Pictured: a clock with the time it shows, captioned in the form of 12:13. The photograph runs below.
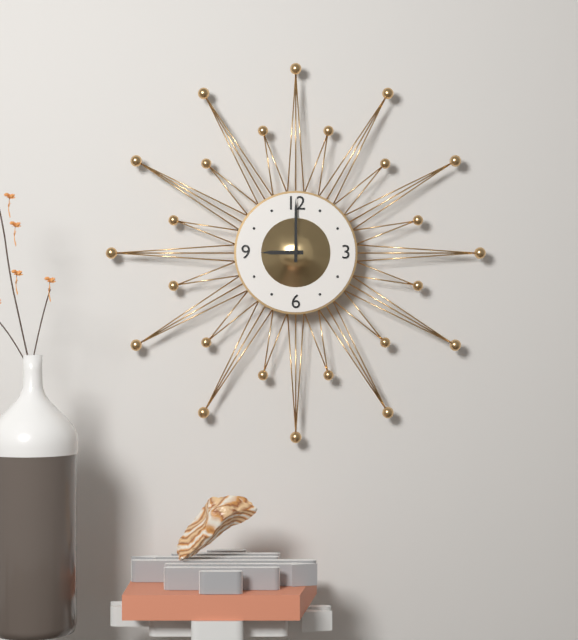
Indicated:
9:00
